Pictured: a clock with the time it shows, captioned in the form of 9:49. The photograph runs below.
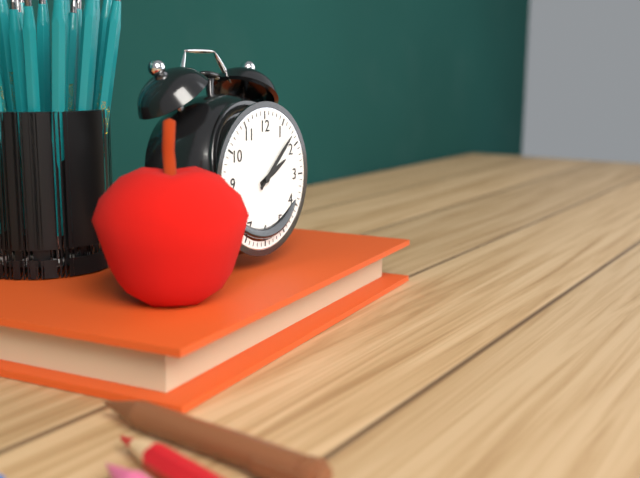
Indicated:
2:08
